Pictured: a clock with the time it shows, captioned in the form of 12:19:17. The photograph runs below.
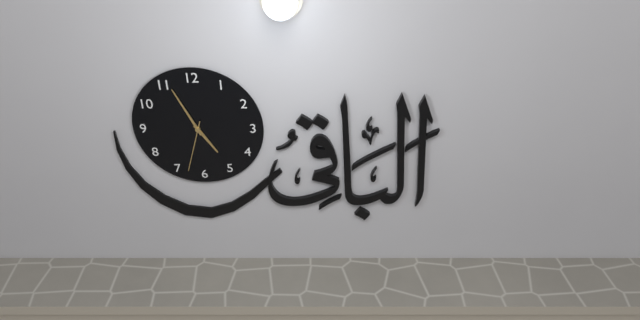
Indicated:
4:56:33
